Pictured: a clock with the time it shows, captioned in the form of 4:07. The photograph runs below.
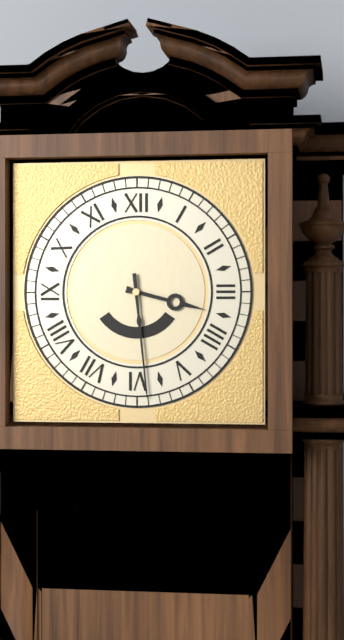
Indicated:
3:29
